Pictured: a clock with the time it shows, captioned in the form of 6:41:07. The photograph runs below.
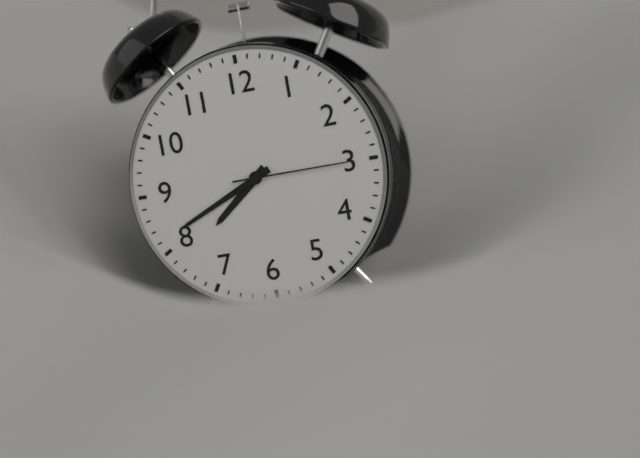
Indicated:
7:41:15
